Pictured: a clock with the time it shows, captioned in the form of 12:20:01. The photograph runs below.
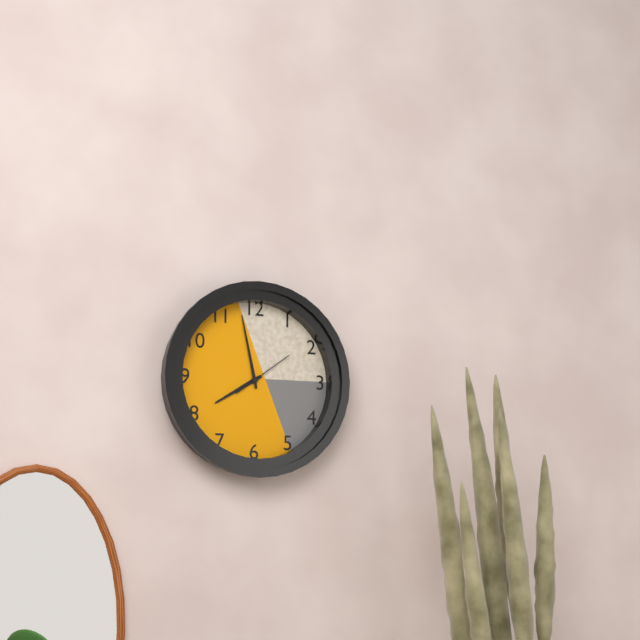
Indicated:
7:58:09
